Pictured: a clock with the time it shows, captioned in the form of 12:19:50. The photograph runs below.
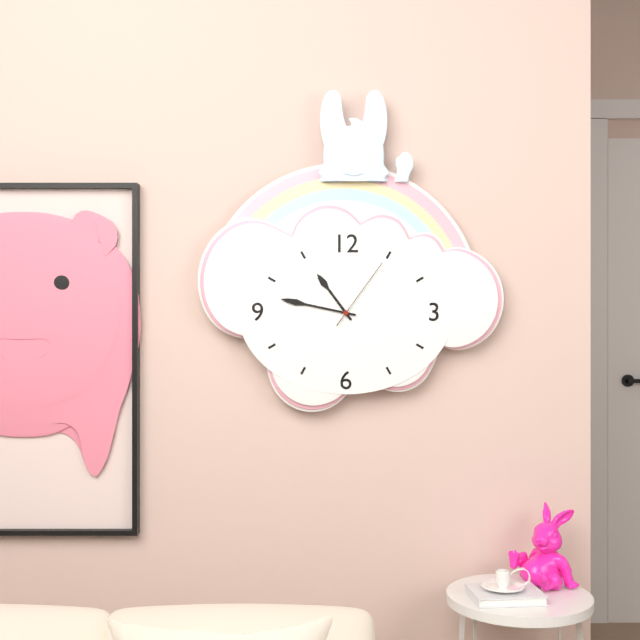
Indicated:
10:47:06
